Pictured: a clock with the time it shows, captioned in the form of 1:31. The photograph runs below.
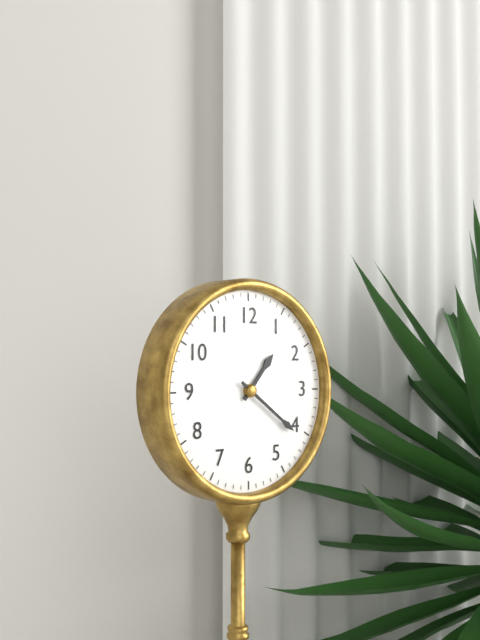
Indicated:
1:21
